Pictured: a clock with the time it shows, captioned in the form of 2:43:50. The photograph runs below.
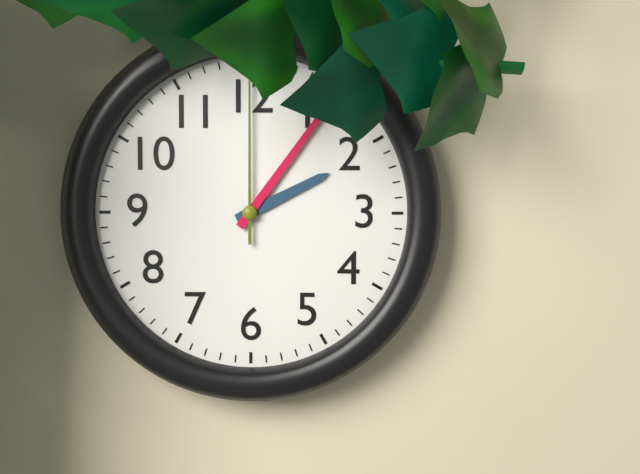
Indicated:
2:06:00
